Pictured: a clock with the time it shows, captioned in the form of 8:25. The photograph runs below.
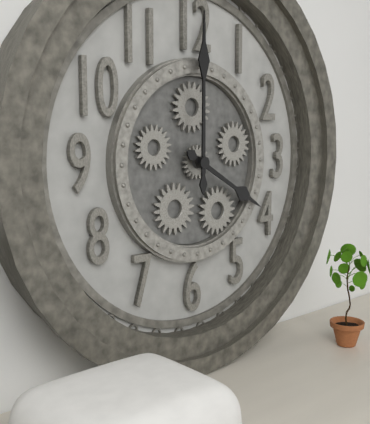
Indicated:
4:00
